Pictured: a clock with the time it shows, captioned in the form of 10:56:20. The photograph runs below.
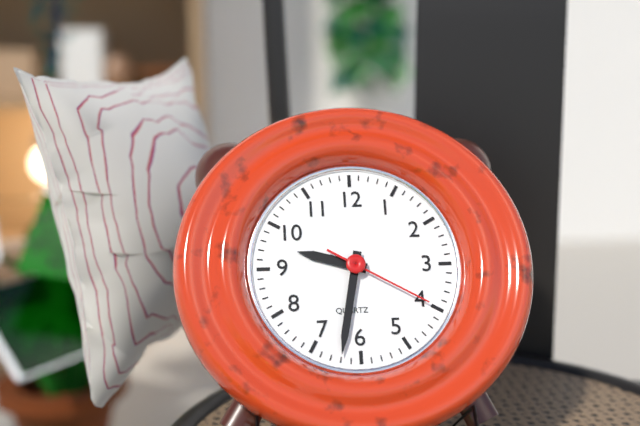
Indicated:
9:32:20
